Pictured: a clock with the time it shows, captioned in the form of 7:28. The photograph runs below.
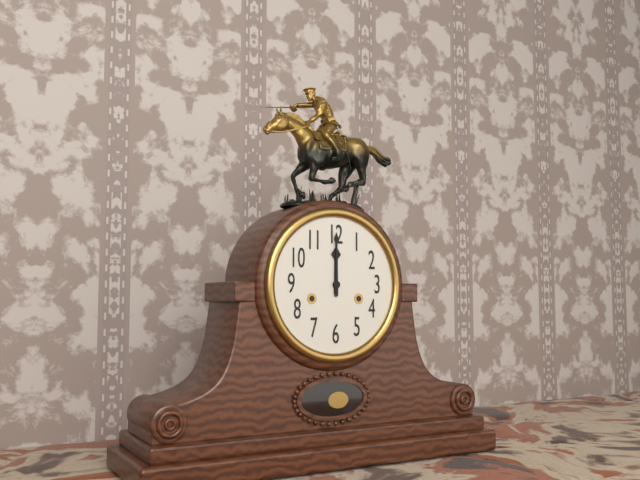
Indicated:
12:00
